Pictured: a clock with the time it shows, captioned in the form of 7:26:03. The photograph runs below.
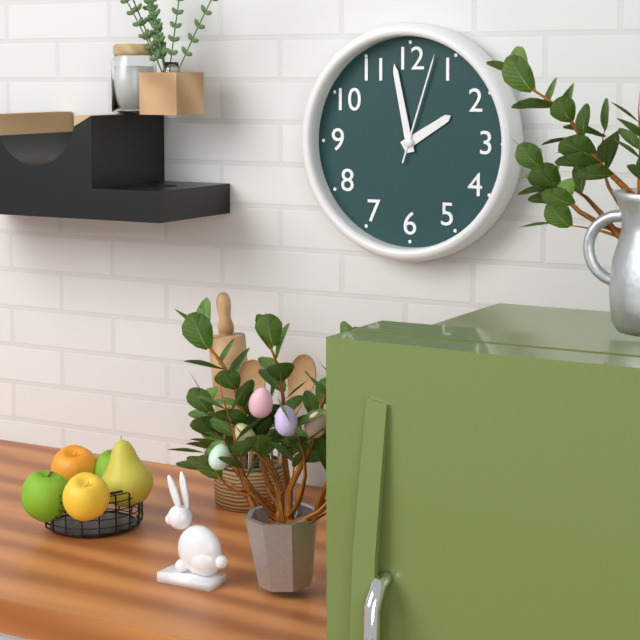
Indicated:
1:58:03
